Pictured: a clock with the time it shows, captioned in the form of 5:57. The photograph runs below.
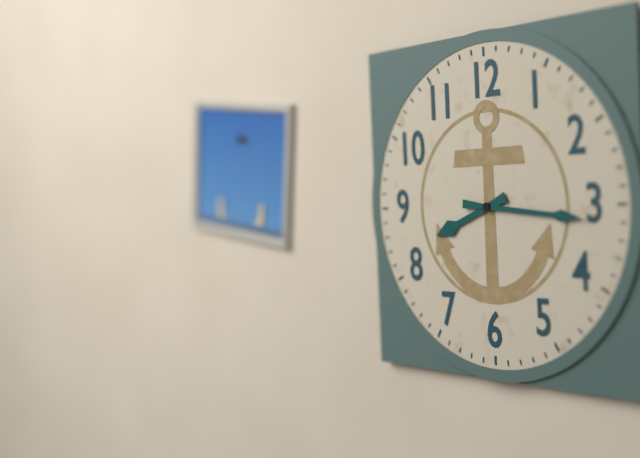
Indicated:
8:16
